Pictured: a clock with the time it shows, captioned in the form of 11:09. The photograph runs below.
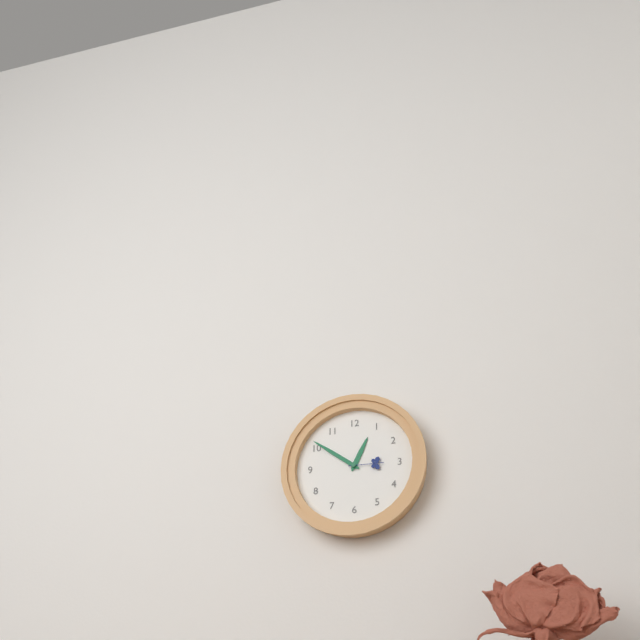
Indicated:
12:51
